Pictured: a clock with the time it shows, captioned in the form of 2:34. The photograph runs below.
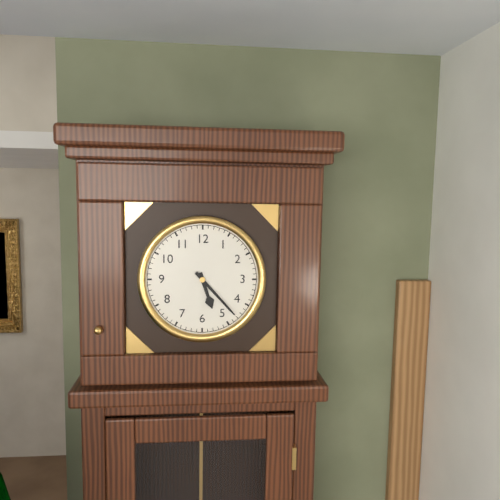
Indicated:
5:23
